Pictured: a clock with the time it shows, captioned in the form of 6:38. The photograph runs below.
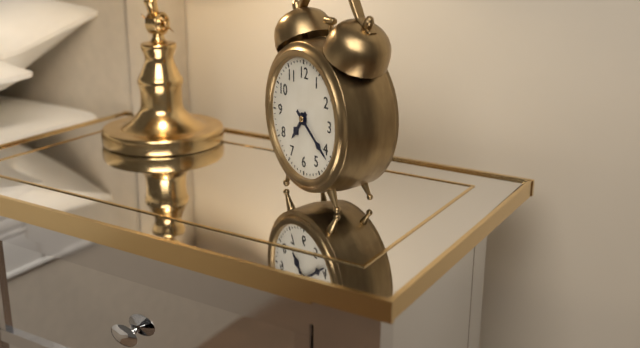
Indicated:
7:21
